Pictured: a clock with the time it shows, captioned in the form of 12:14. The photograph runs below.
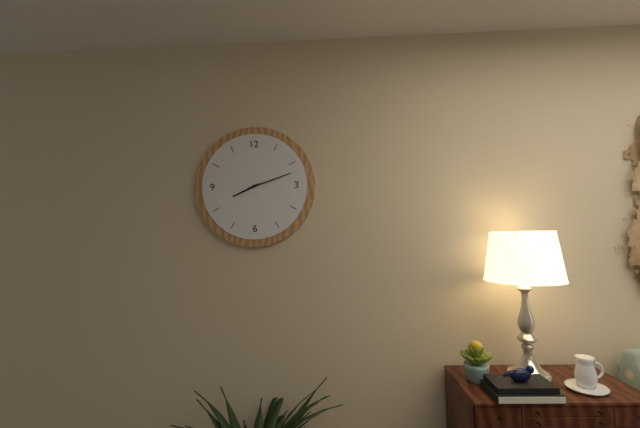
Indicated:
8:12
